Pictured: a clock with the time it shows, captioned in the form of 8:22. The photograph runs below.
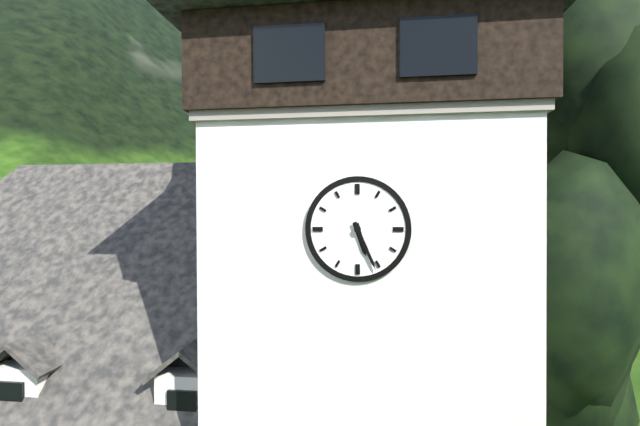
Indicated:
5:26
